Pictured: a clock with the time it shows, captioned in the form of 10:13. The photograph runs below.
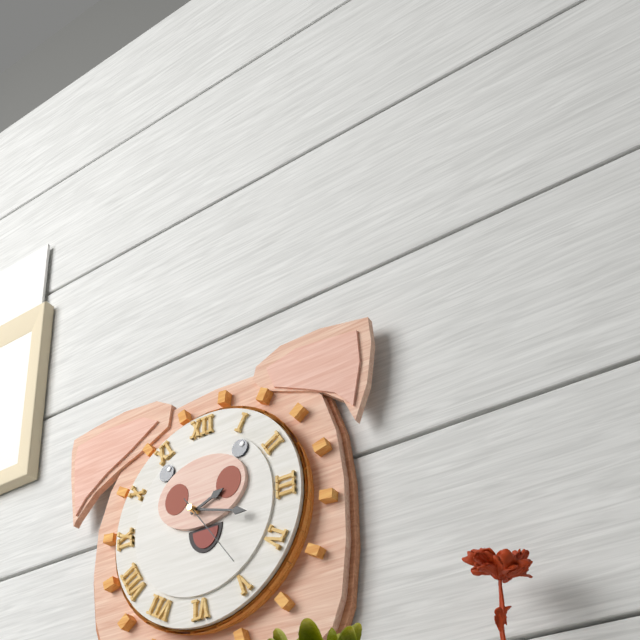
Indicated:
2:18
